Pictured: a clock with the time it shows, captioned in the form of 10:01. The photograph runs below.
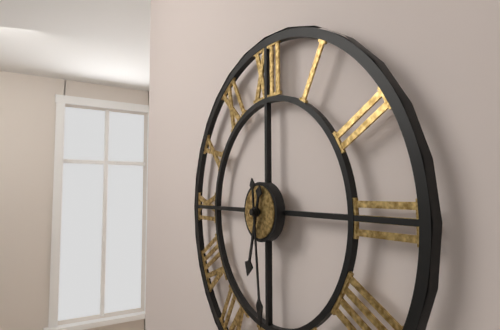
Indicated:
6:29
